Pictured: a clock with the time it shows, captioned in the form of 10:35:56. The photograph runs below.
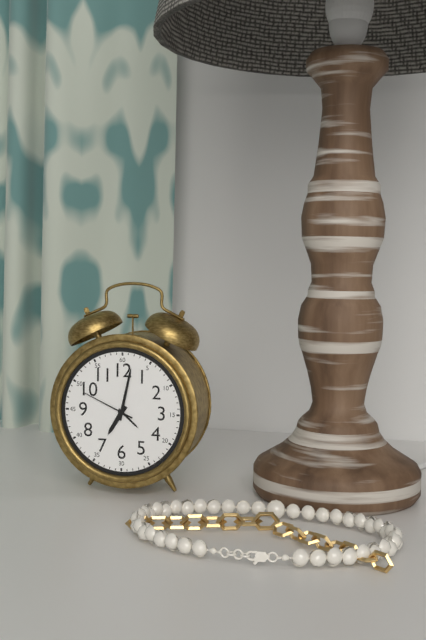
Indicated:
7:02:49
